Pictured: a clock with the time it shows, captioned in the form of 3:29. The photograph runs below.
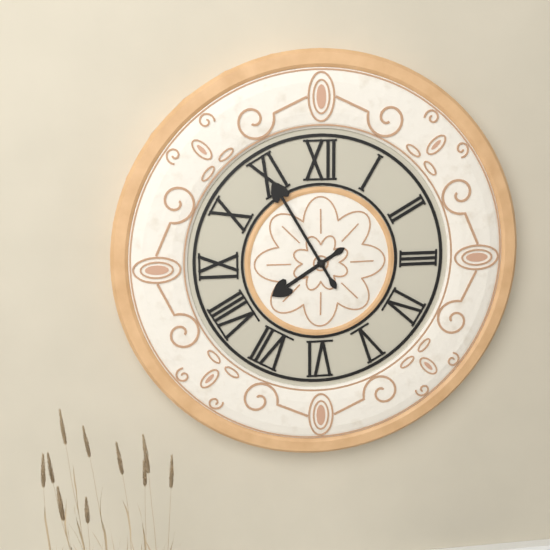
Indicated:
7:55
